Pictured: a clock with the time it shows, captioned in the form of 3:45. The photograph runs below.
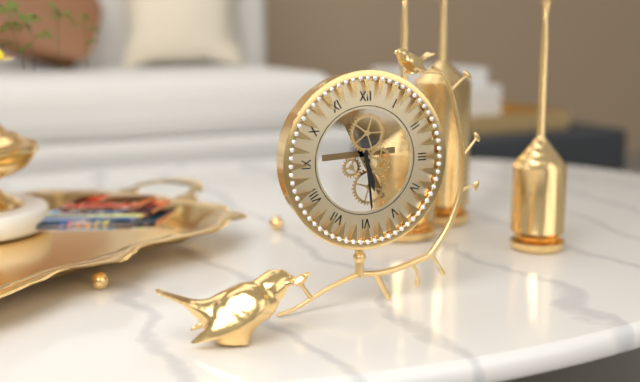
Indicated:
5:29
